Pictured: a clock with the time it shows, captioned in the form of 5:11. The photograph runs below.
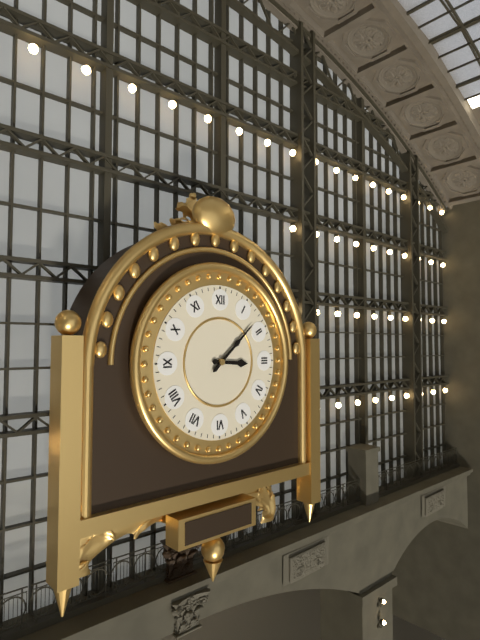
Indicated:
3:08
